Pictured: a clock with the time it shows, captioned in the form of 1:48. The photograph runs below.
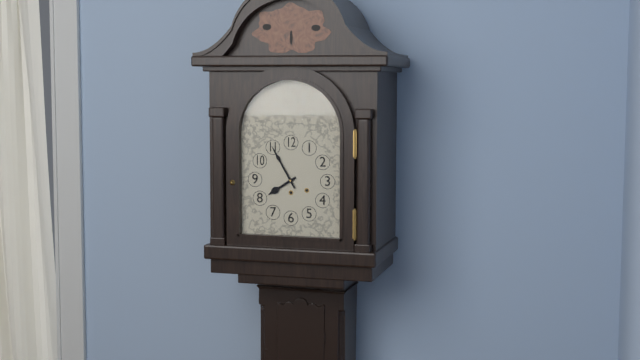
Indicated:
7:55
